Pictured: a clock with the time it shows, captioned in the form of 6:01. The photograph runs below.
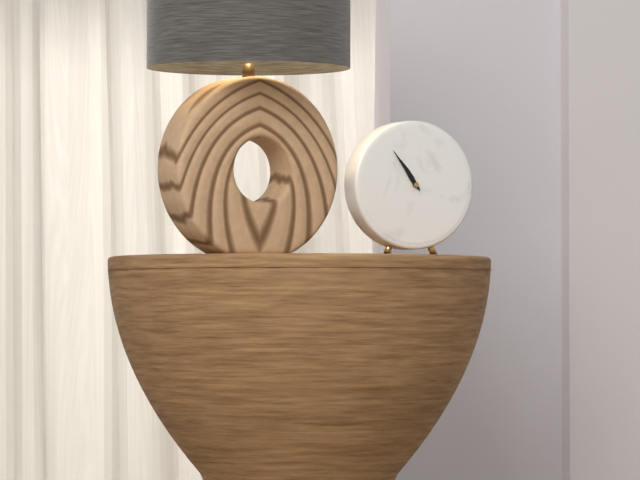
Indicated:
10:54
